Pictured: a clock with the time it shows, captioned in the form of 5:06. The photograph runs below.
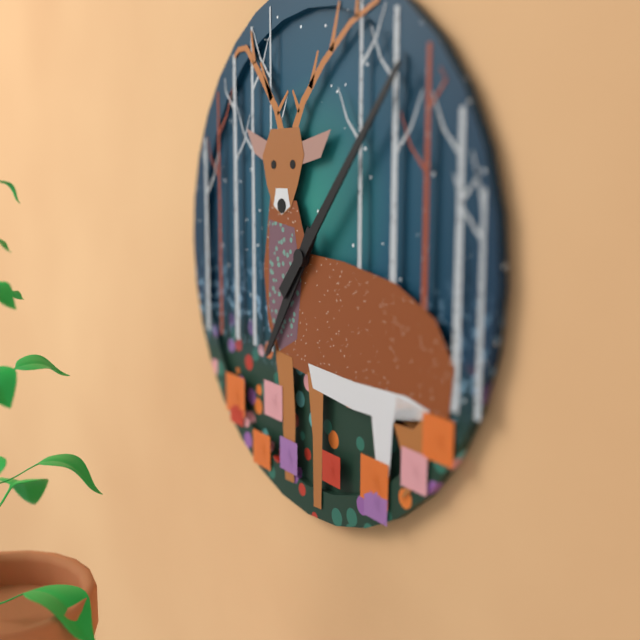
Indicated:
7:07
